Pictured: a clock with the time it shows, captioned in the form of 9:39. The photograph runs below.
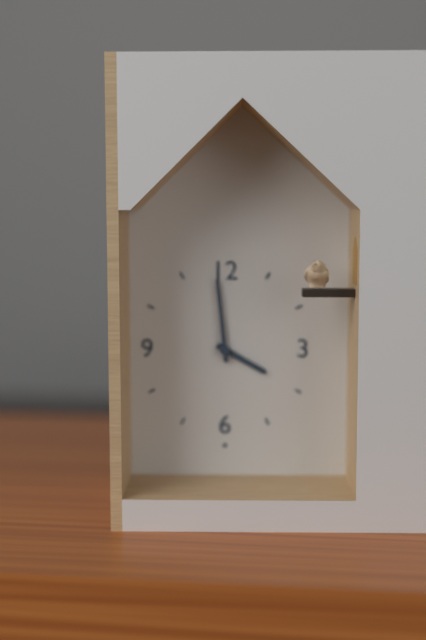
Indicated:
3:59
